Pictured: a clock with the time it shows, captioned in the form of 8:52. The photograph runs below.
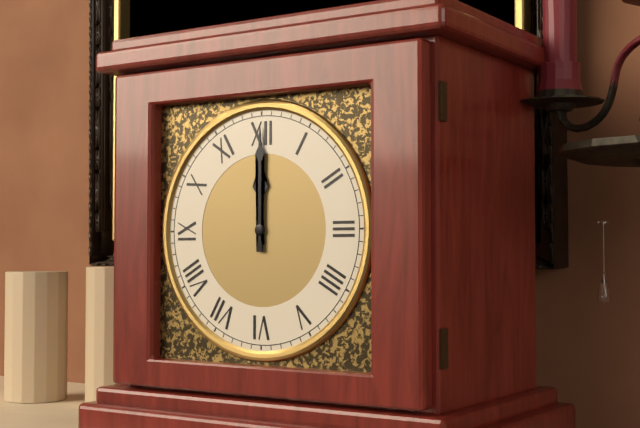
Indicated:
12:00
